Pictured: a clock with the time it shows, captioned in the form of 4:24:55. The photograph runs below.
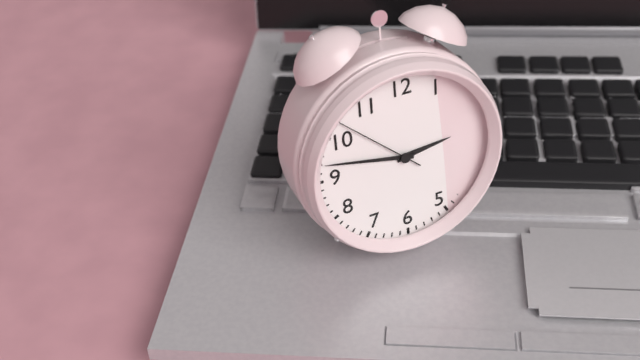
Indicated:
2:47:52
